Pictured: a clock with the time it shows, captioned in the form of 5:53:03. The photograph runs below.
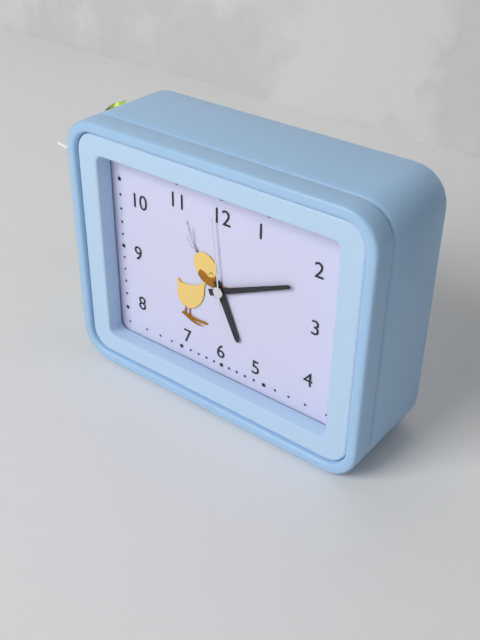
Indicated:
5:11:59
